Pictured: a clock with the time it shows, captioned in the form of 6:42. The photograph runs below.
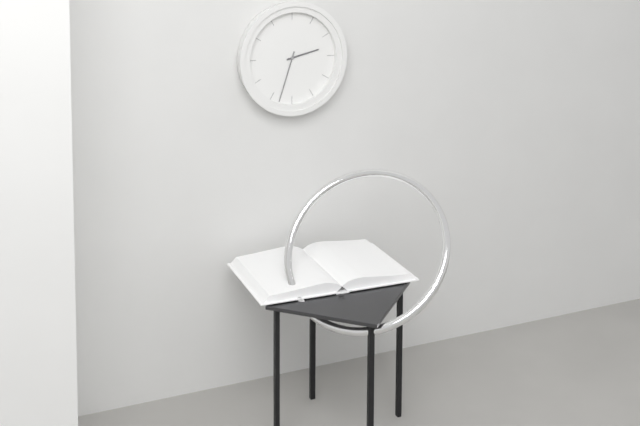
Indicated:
2:33
